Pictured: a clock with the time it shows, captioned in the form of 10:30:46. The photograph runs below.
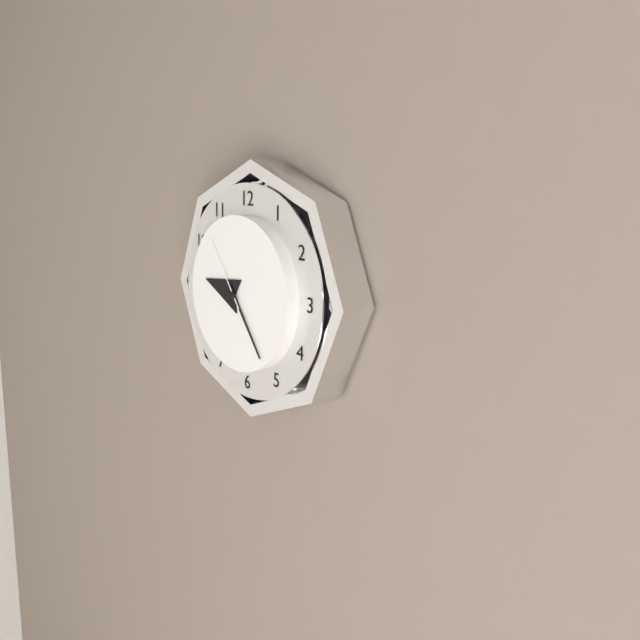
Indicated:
9:24:54
